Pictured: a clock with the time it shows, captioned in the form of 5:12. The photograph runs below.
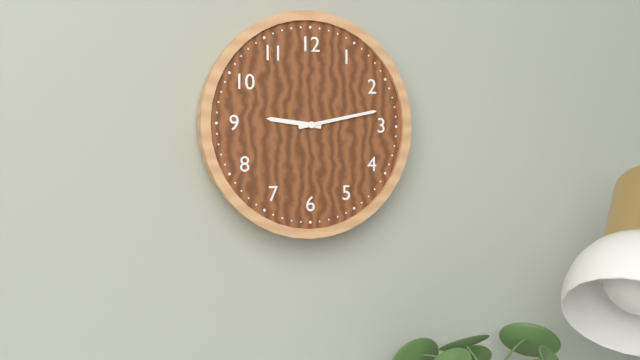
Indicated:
9:13
